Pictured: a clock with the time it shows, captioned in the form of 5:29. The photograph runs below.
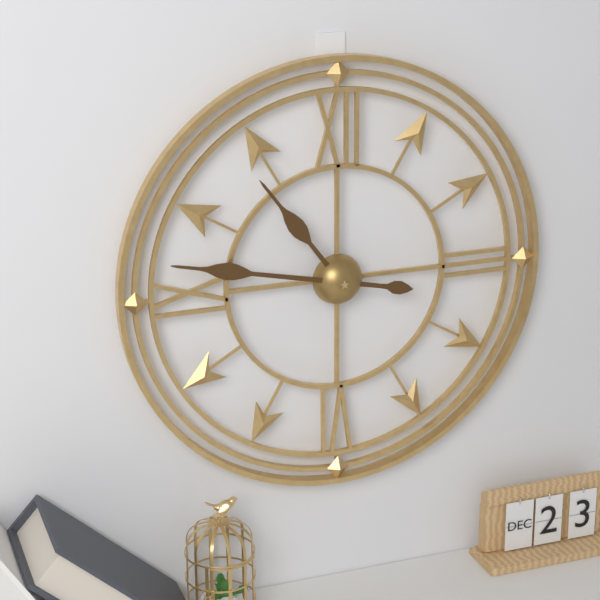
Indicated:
10:47
